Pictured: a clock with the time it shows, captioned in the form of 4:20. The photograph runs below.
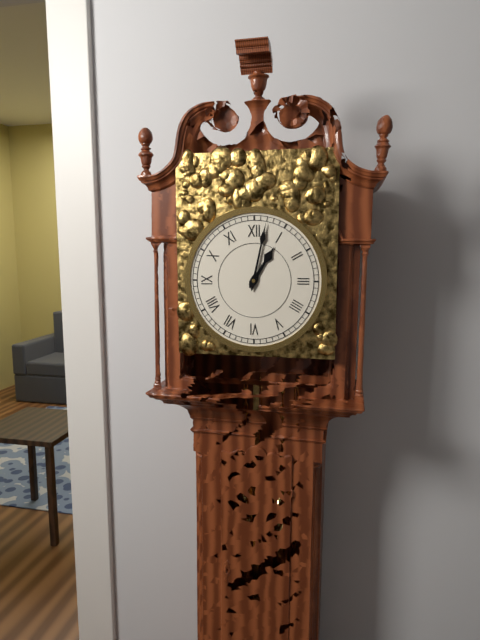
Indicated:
1:02
